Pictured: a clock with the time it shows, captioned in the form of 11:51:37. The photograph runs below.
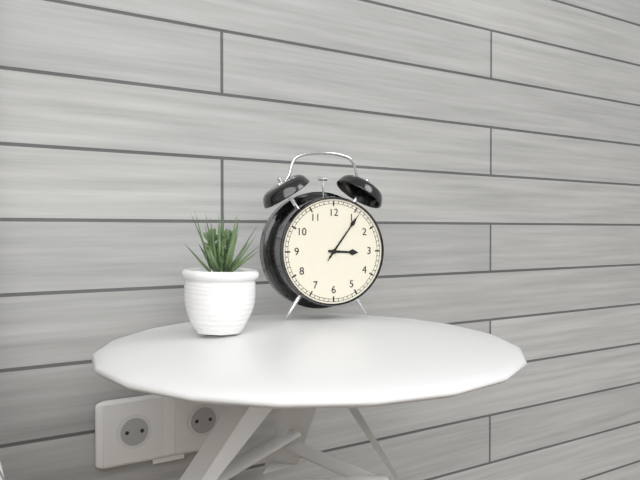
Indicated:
3:06:06
